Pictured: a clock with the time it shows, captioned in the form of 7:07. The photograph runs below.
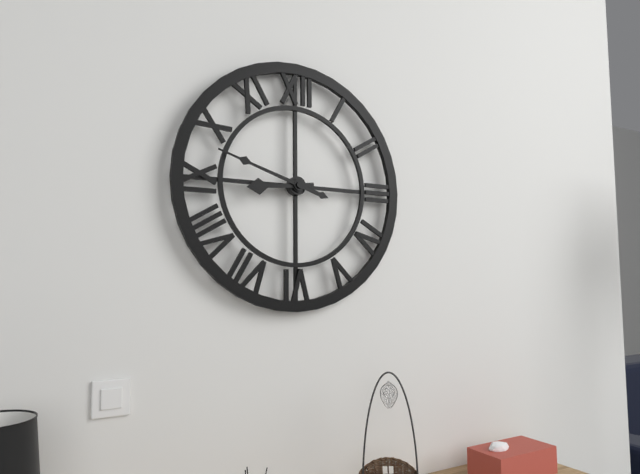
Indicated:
8:48
